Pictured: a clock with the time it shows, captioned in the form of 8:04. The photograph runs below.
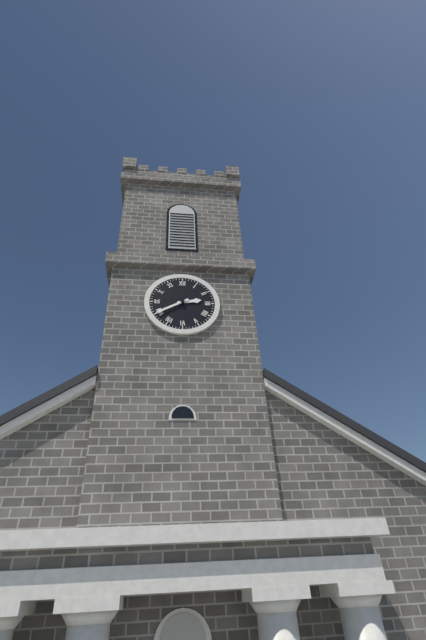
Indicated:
2:40
